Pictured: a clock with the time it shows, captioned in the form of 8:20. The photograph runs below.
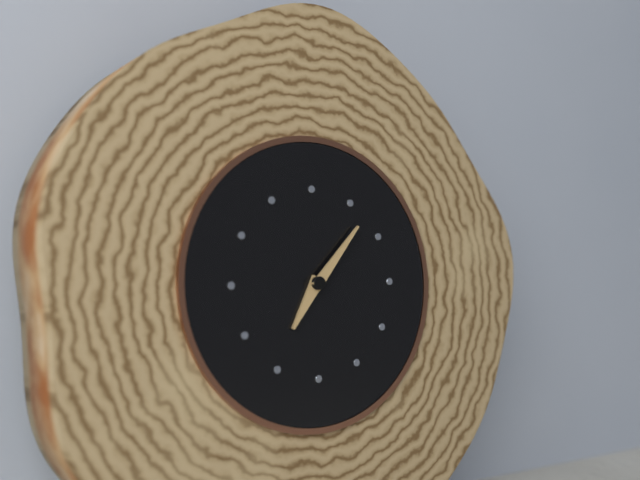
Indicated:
7:07
